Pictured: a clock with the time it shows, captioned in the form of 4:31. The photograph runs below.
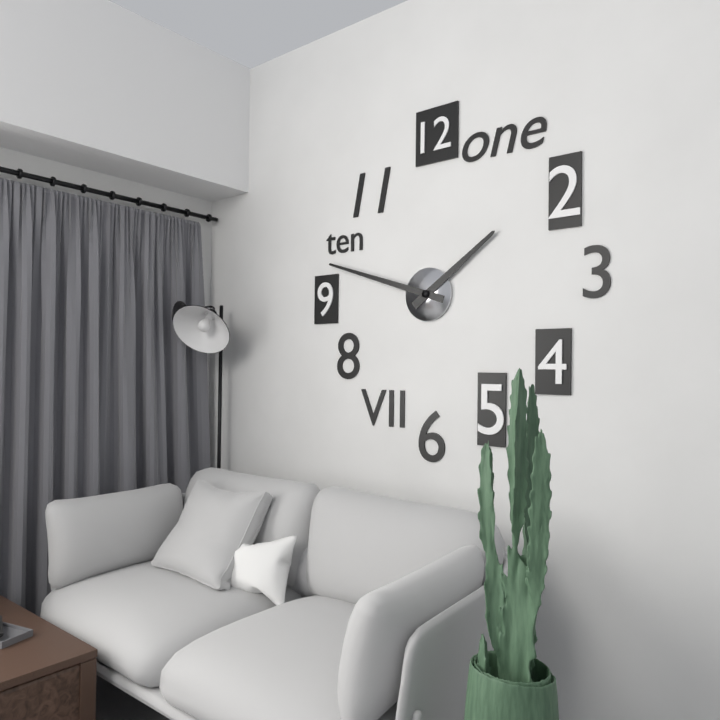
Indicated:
1:48
